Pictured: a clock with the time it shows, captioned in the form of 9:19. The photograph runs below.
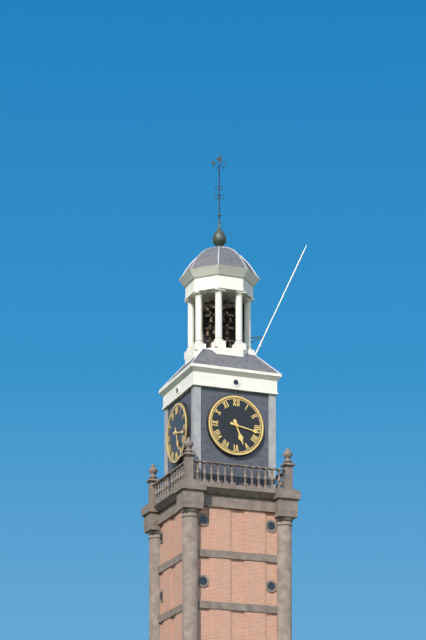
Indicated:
5:17
